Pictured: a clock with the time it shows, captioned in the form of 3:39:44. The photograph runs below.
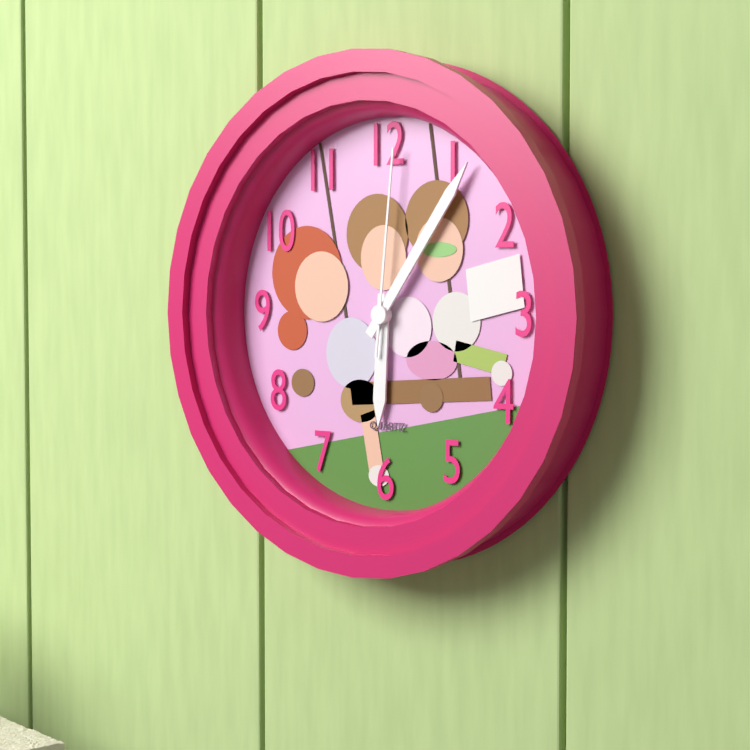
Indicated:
6:06:01
